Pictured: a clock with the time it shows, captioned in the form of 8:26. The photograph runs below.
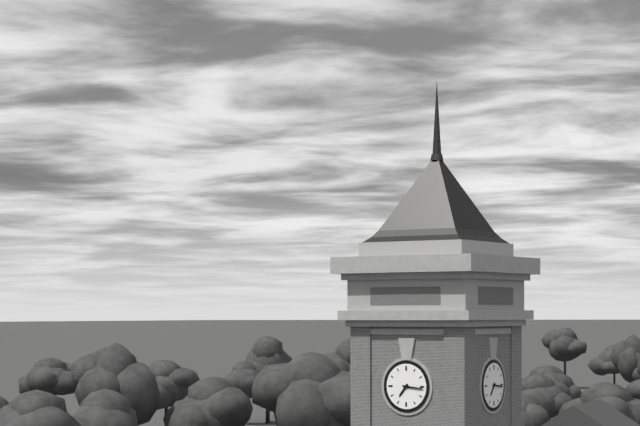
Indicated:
7:16
